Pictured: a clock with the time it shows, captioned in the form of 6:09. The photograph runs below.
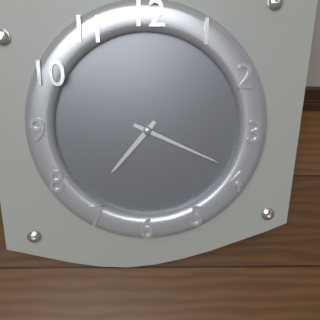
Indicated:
7:19
